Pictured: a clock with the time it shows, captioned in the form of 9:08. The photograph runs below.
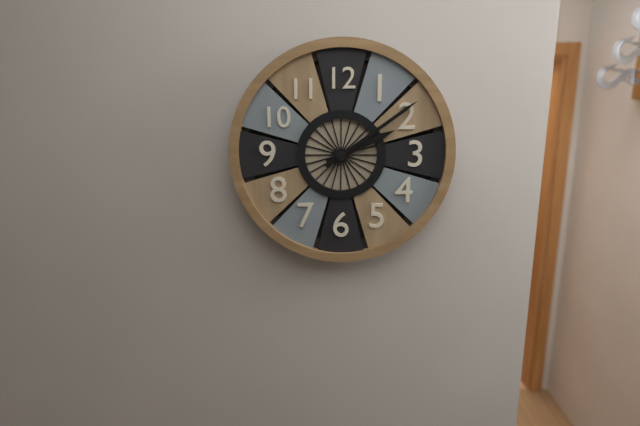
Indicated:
2:09
